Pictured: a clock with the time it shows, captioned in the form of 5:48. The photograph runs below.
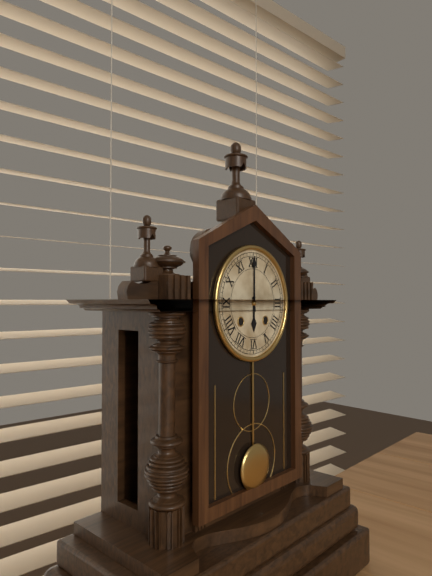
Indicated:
6:00
